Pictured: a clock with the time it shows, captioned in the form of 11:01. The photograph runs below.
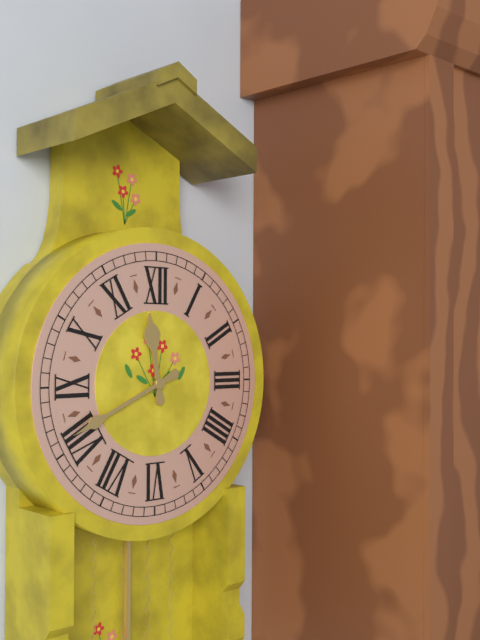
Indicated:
11:41
